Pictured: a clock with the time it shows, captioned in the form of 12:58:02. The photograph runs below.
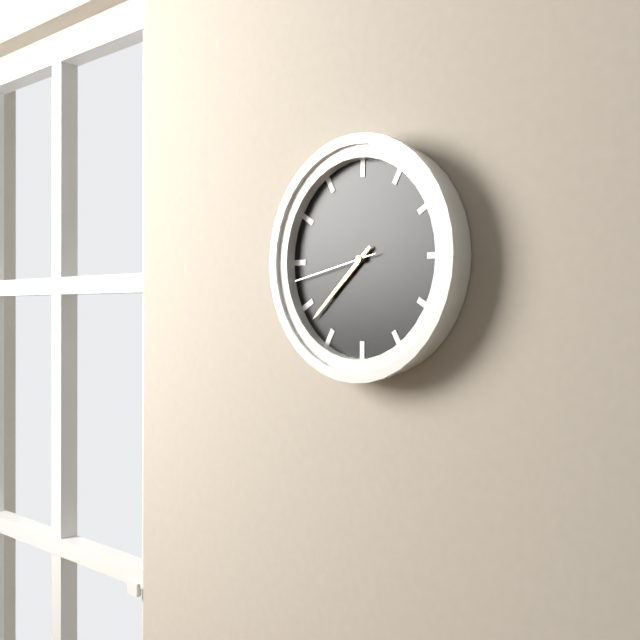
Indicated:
7:38:43
